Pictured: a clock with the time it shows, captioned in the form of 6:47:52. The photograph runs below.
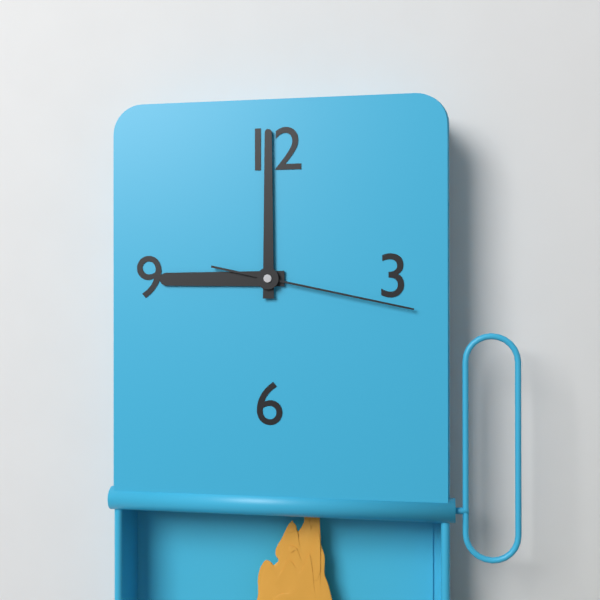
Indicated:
9:00:17
